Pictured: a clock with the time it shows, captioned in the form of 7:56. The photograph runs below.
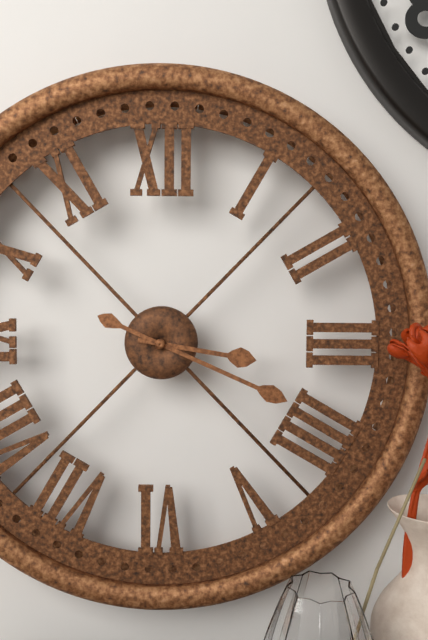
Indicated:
3:19
